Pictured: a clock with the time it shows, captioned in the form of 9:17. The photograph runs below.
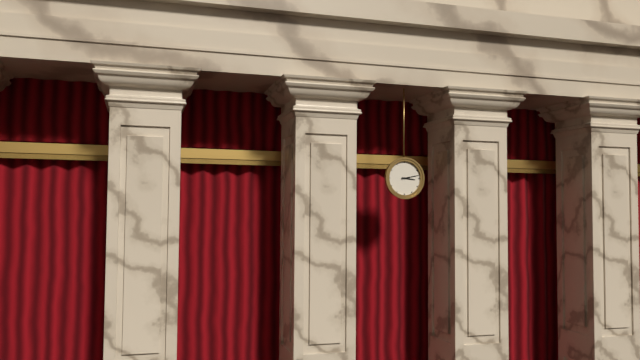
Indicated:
3:13
